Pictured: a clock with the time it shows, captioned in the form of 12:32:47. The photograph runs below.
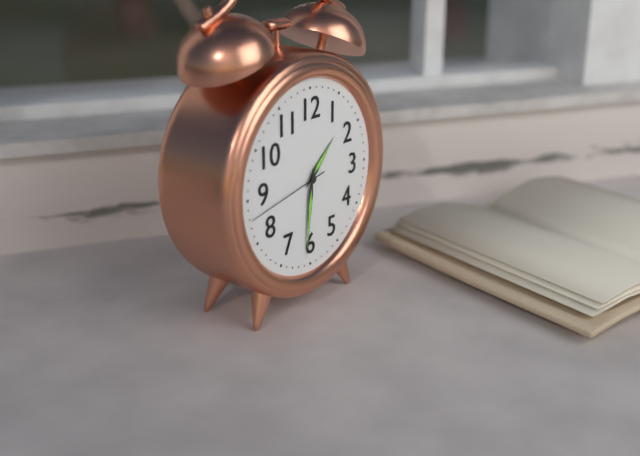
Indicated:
1:31:43
